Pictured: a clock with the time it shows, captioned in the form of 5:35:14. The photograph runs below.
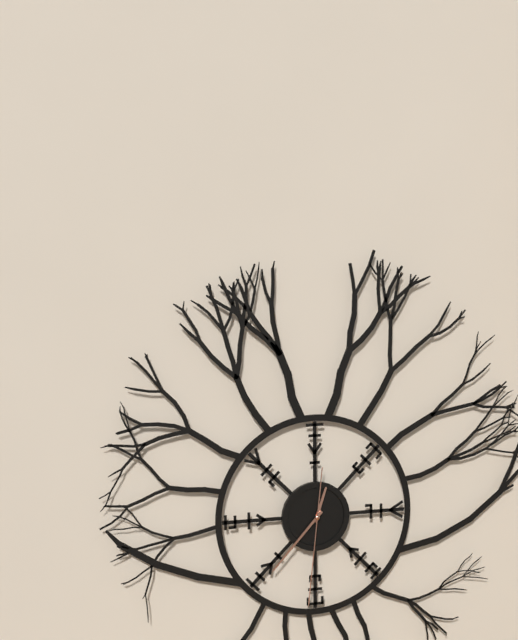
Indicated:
12:37:31
